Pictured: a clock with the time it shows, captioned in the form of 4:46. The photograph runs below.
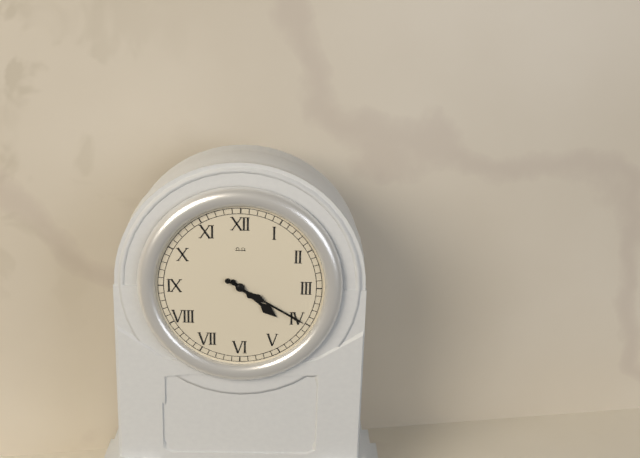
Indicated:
4:20
